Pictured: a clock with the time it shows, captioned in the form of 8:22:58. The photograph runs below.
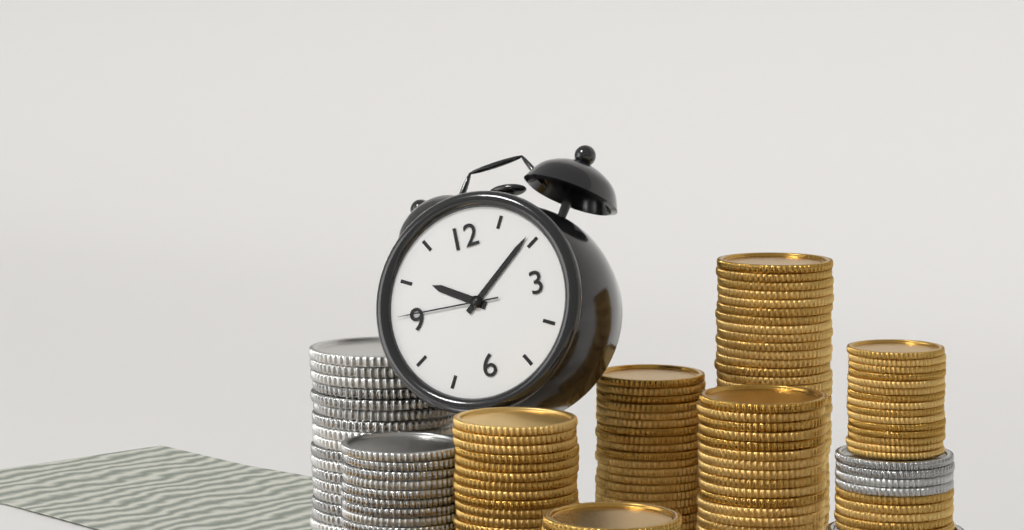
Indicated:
10:09:46
